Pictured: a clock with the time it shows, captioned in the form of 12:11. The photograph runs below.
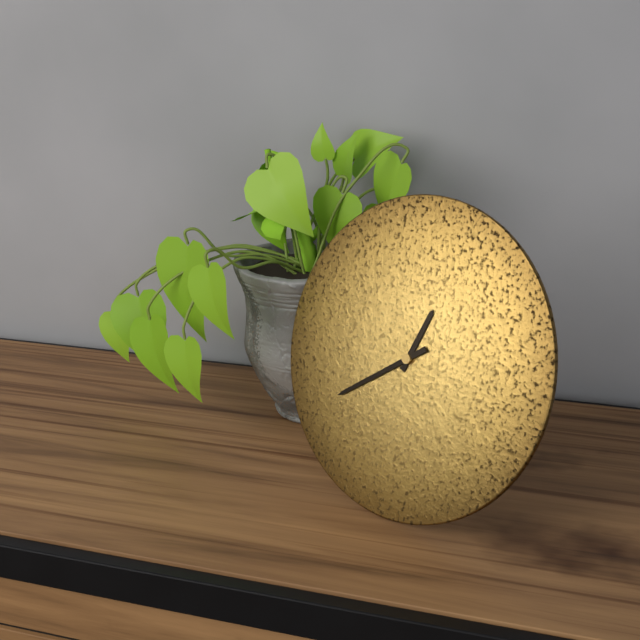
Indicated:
12:39
